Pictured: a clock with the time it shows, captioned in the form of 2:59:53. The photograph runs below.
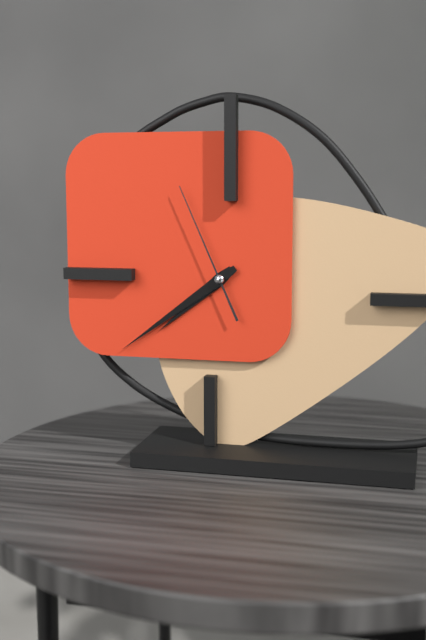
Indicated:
7:39:56
